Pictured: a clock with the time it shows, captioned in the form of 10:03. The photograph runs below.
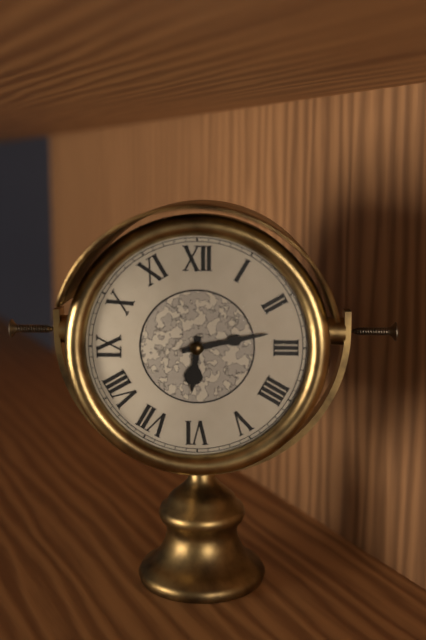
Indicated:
6:13
